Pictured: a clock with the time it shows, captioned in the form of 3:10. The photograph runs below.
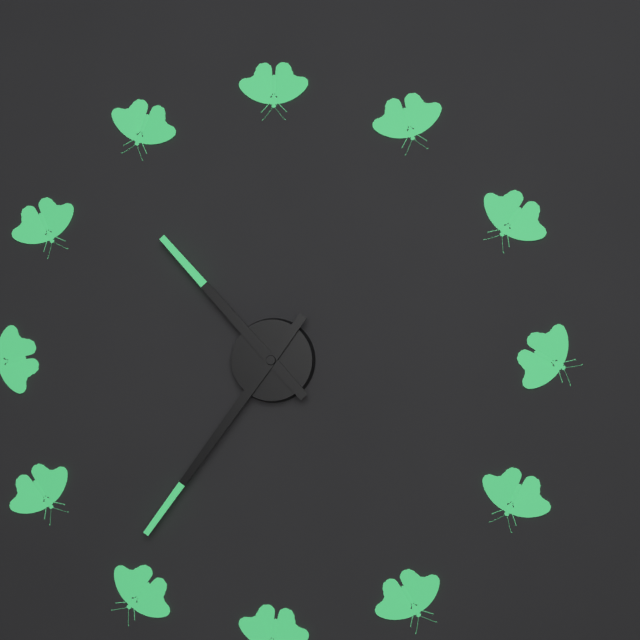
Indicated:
10:36
